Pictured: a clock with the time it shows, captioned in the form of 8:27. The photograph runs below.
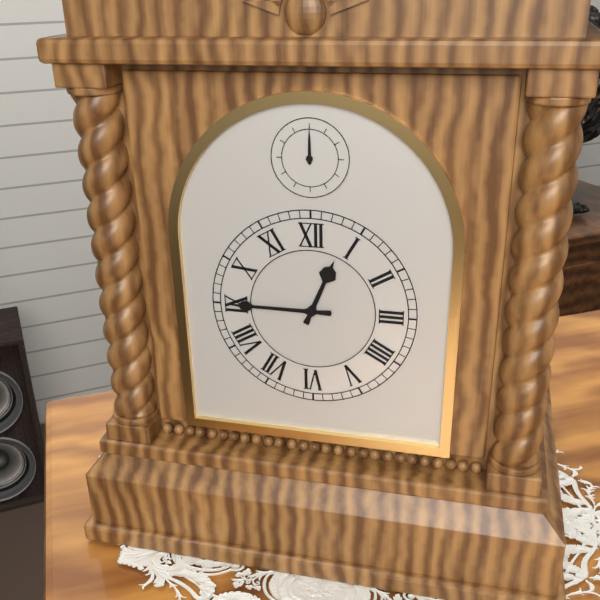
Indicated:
12:45
